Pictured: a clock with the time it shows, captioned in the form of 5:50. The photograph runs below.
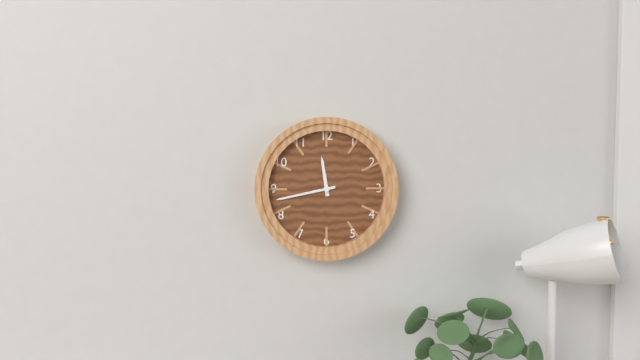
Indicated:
11:43
